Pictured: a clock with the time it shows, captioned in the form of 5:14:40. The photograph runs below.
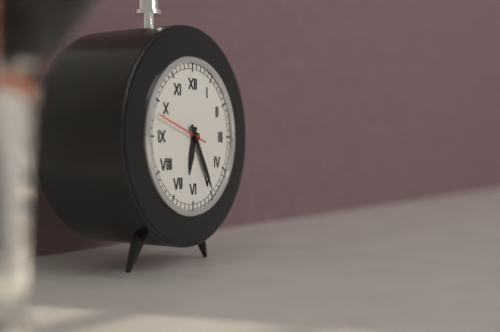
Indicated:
6:25:48
